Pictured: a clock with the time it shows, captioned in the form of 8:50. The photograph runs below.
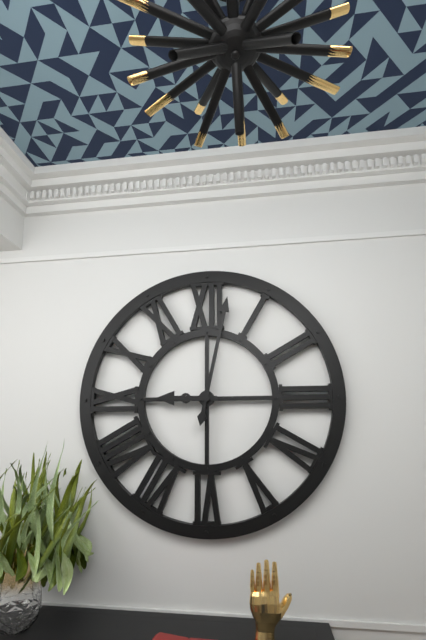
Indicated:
9:02
